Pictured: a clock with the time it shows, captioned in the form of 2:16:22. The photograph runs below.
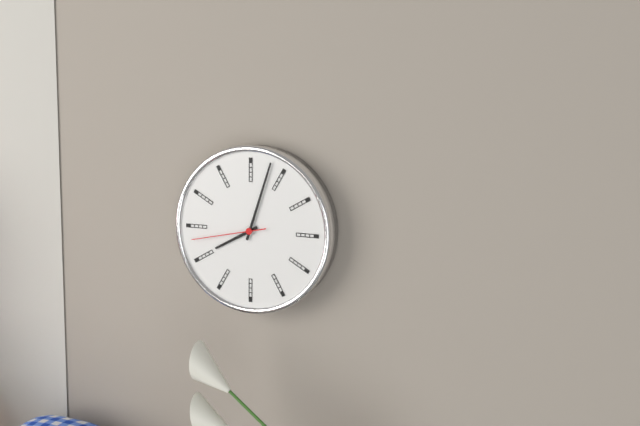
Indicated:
8:03:43
